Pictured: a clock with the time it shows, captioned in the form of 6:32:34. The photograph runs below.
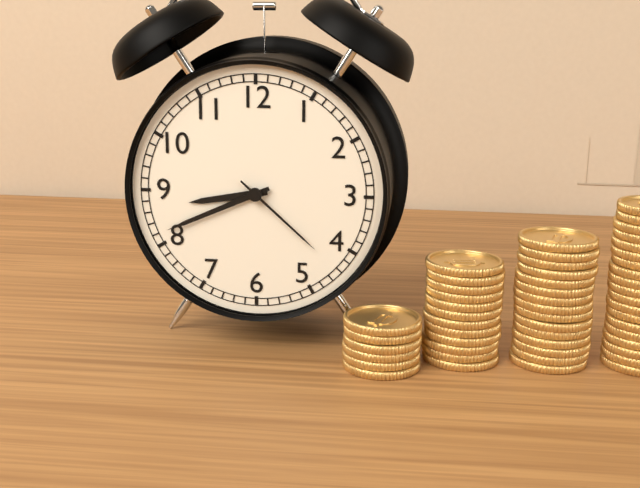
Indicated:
8:41:22
